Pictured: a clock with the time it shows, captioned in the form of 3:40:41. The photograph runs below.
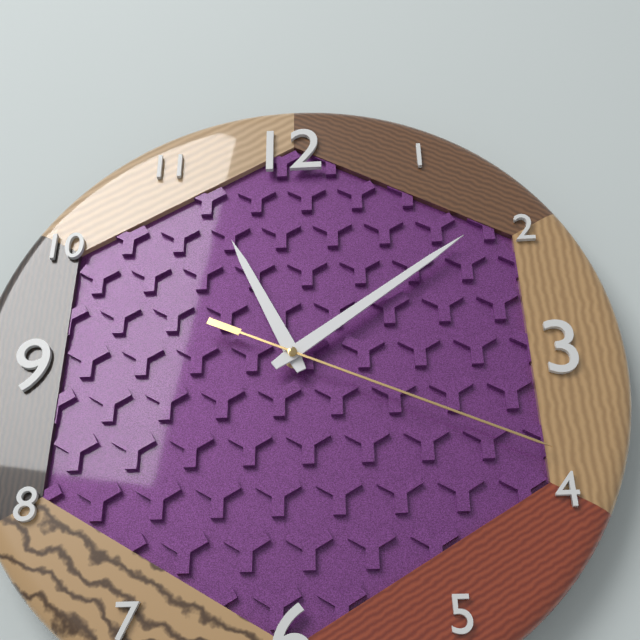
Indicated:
11:09:19
